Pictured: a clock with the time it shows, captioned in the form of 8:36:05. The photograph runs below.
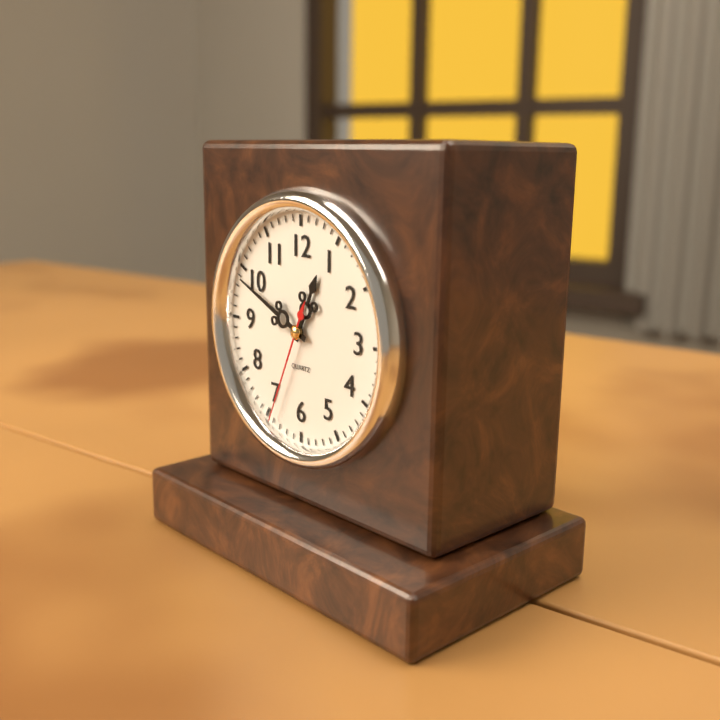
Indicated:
12:49:34
